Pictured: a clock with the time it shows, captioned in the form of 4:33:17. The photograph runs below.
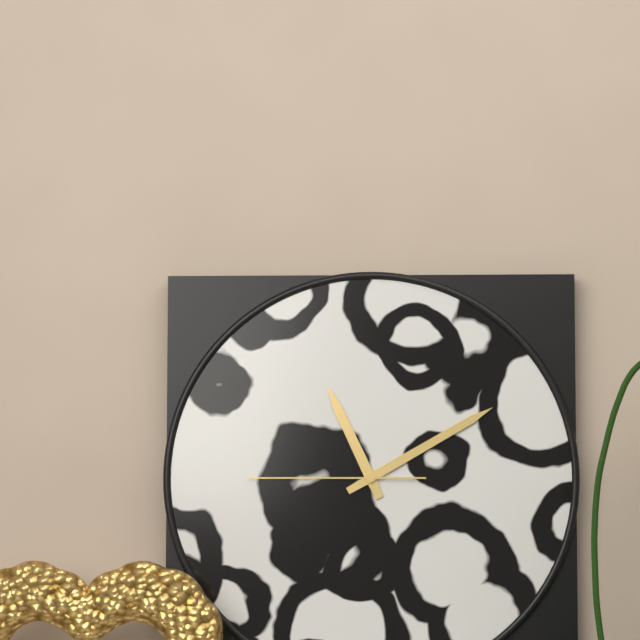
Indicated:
11:10:45
